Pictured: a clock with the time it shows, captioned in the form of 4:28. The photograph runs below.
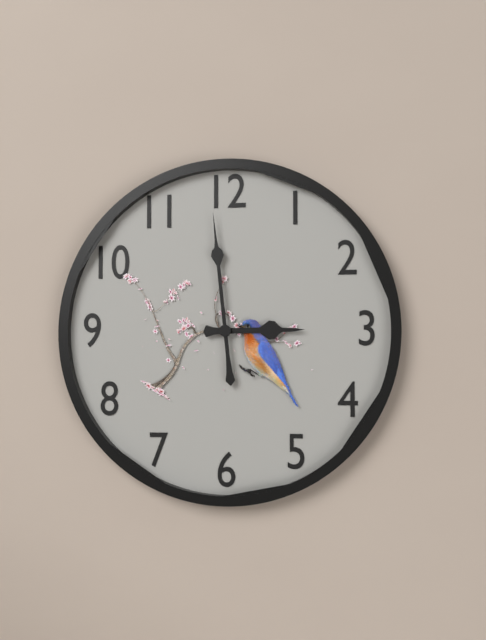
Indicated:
2:59
